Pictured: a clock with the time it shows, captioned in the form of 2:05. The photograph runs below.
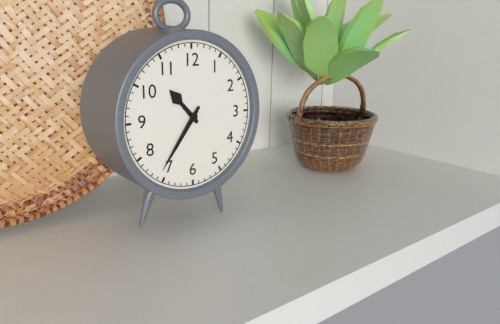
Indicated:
10:36
